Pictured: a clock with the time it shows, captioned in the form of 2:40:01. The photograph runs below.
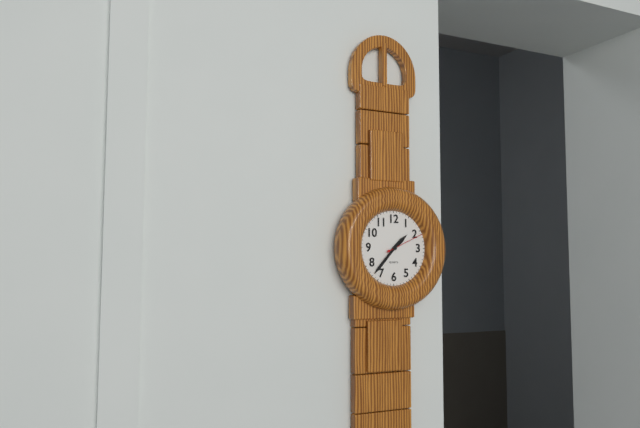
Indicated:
1:37:11
